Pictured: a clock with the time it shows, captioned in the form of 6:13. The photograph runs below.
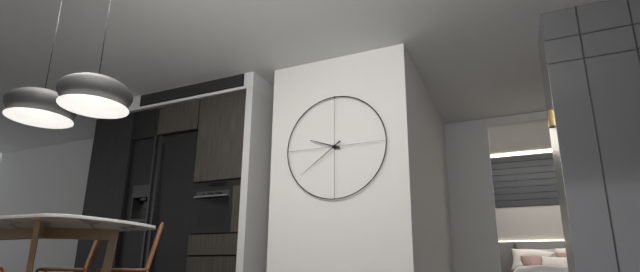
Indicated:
9:39
